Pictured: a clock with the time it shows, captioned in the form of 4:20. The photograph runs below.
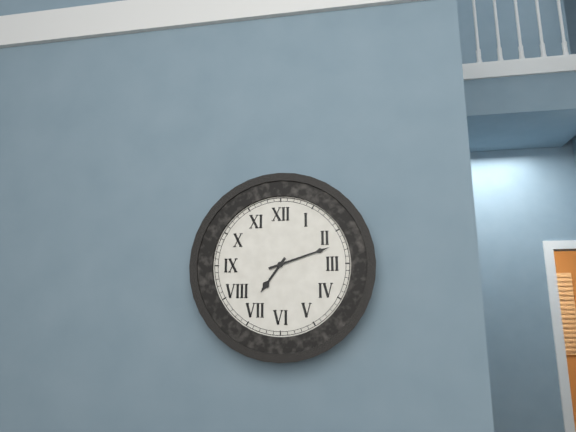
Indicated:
7:12
